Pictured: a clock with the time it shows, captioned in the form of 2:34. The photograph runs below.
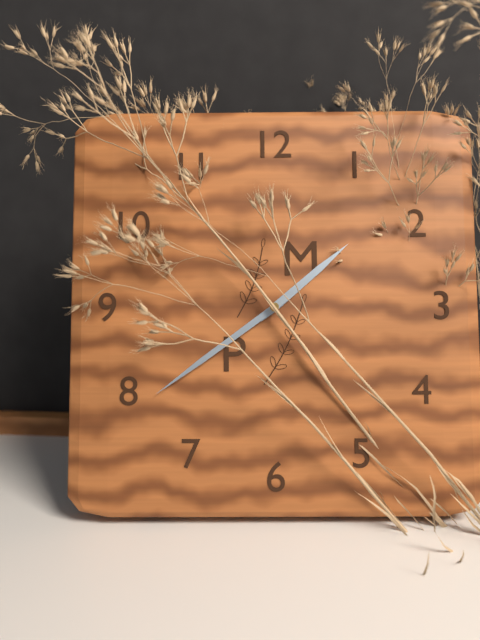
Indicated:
1:39
